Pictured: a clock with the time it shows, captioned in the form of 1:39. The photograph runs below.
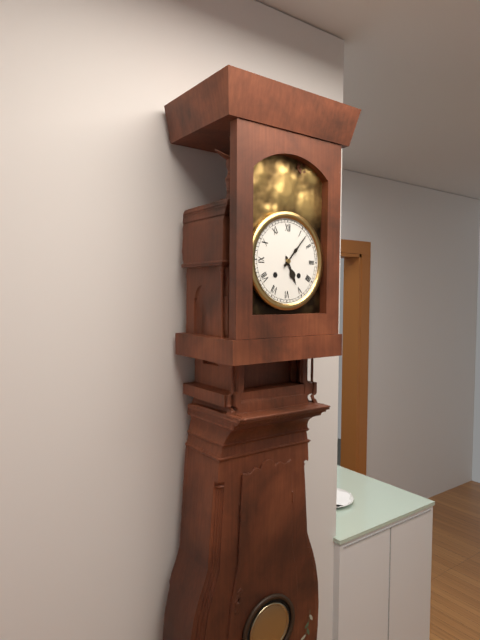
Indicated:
5:07
